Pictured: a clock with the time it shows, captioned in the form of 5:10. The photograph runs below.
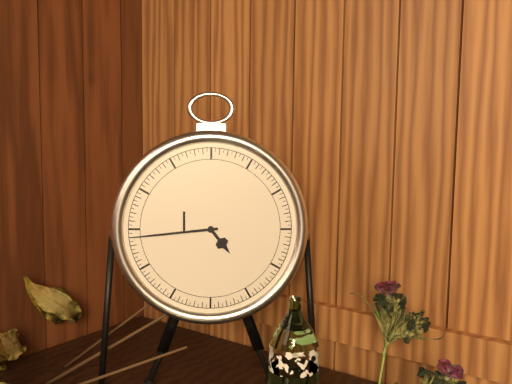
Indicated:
4:44
